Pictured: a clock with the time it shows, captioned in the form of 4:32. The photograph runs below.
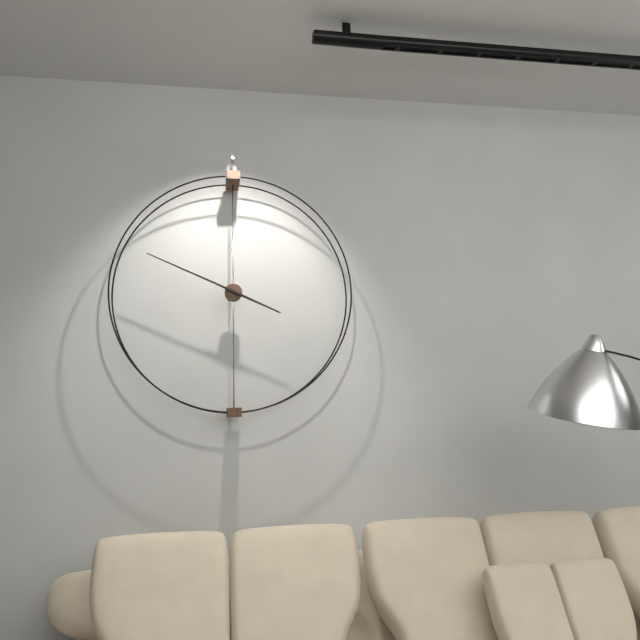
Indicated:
3:49
